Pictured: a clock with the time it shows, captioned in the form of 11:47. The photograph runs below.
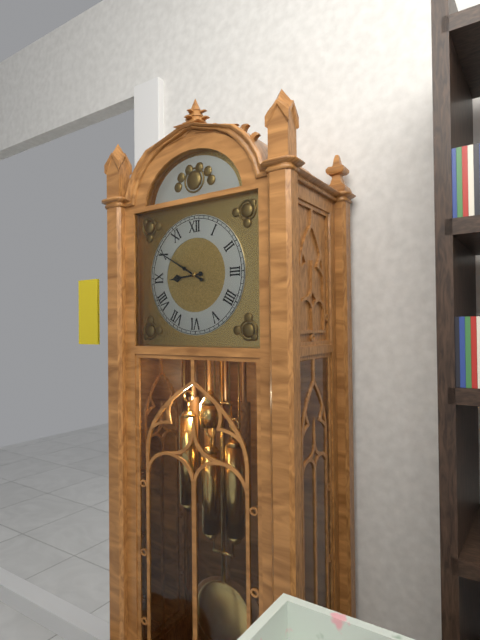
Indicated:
8:50
